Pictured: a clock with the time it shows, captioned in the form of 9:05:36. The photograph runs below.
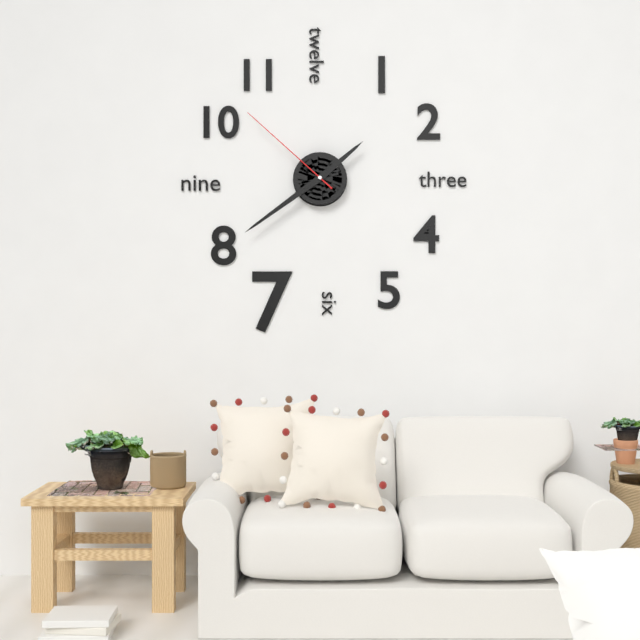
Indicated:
1:39:52
